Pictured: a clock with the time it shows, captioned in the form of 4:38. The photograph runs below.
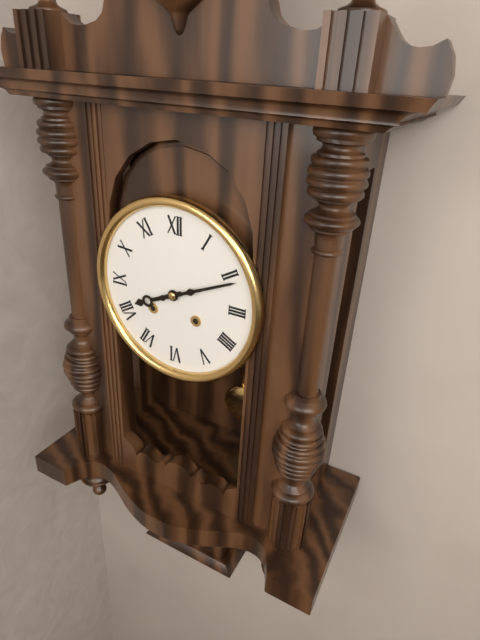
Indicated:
8:11
